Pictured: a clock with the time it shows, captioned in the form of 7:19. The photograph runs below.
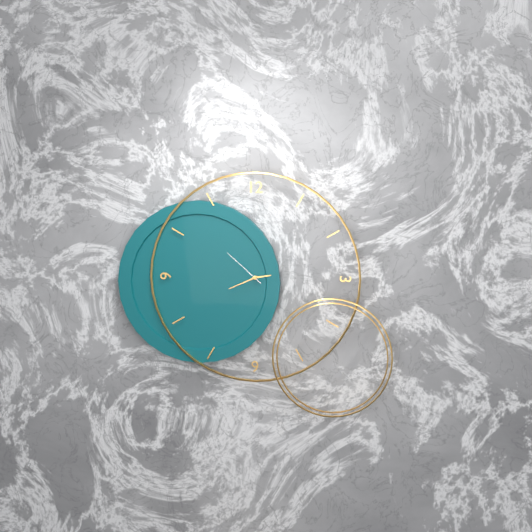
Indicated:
2:41
